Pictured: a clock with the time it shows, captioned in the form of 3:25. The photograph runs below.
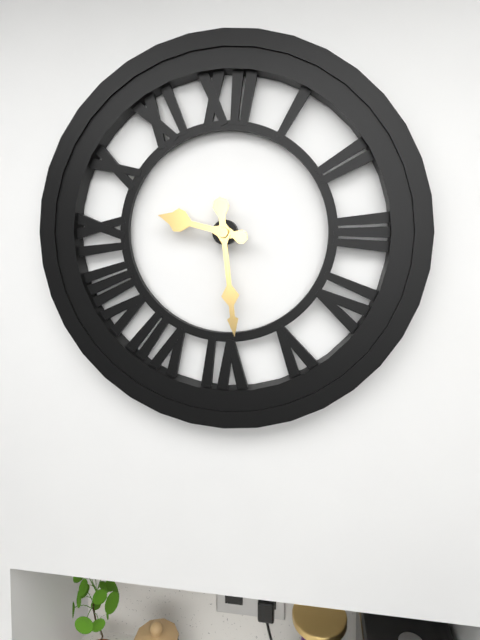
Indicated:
9:29
